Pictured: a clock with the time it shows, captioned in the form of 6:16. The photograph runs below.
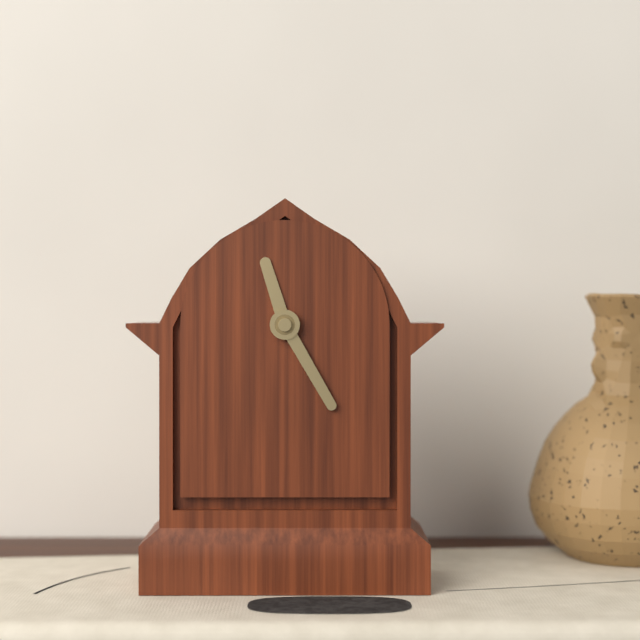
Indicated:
11:25
